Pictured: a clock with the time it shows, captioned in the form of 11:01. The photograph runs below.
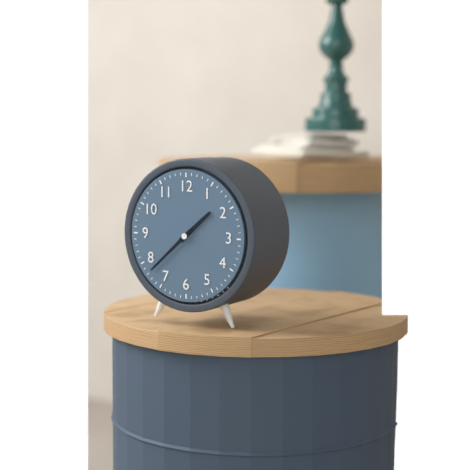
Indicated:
1:38
